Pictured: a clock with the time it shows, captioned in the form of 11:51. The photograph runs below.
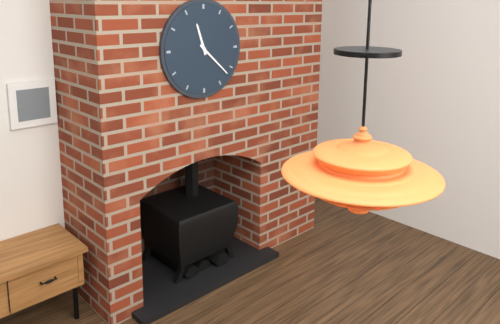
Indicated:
11:22
